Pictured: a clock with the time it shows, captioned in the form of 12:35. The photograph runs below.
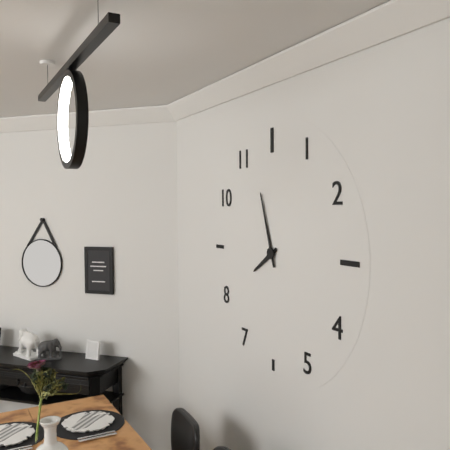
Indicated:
7:57
